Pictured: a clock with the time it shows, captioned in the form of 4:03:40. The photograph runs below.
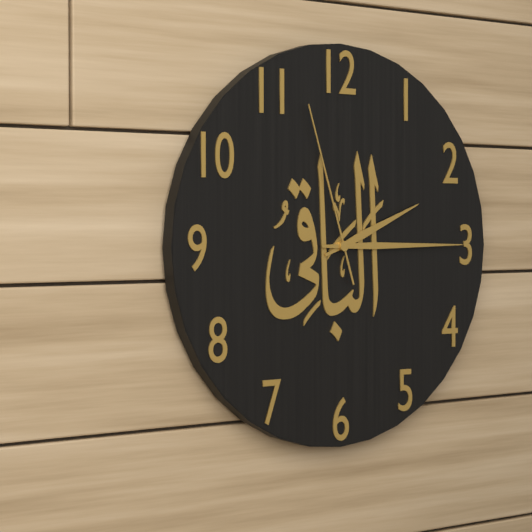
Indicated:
2:15:57
